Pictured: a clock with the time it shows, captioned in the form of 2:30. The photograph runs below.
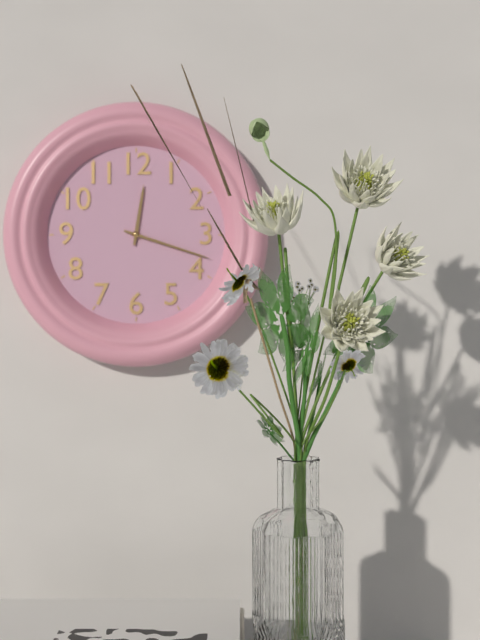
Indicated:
12:18
